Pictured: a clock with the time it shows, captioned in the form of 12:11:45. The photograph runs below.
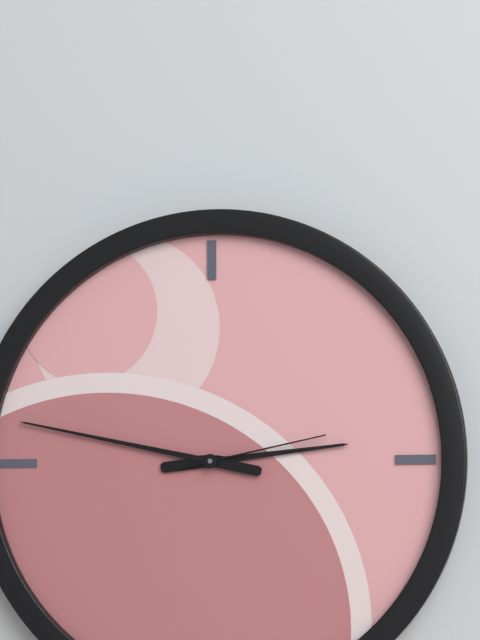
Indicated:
2:47:13
